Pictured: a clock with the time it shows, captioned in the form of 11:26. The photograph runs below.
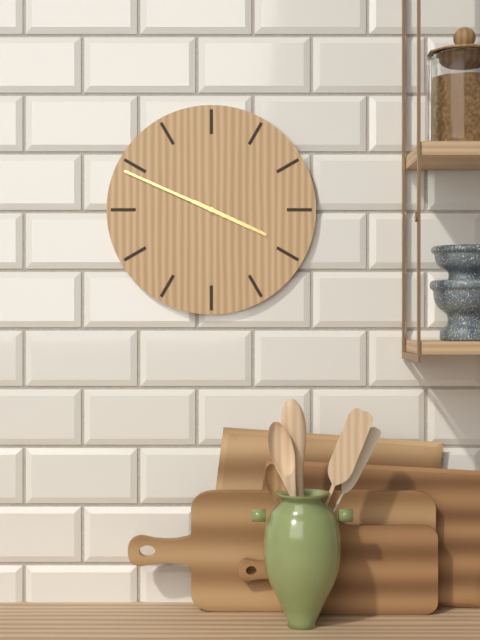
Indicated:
3:49
